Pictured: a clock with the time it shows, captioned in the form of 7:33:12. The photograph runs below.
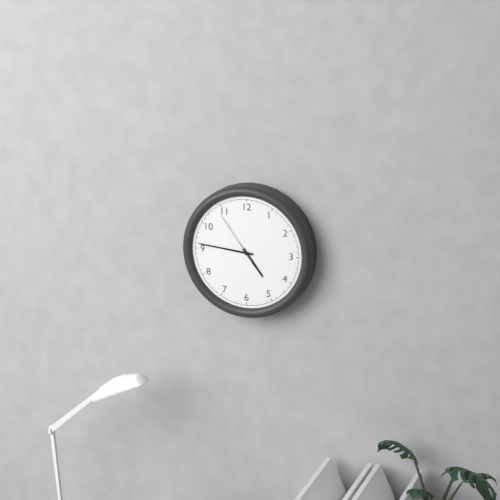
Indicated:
4:46:54
